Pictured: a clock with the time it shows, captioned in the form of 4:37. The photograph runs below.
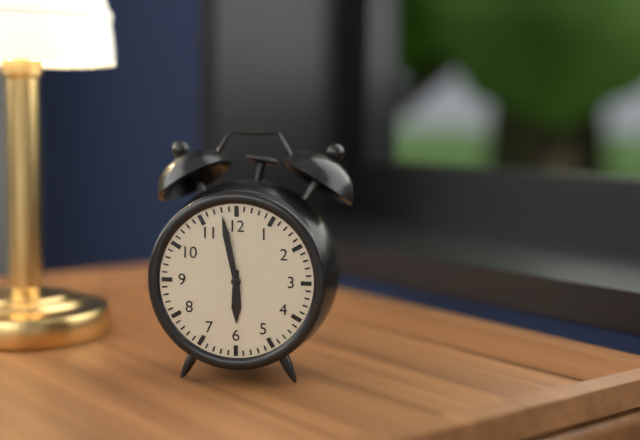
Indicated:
5:58
